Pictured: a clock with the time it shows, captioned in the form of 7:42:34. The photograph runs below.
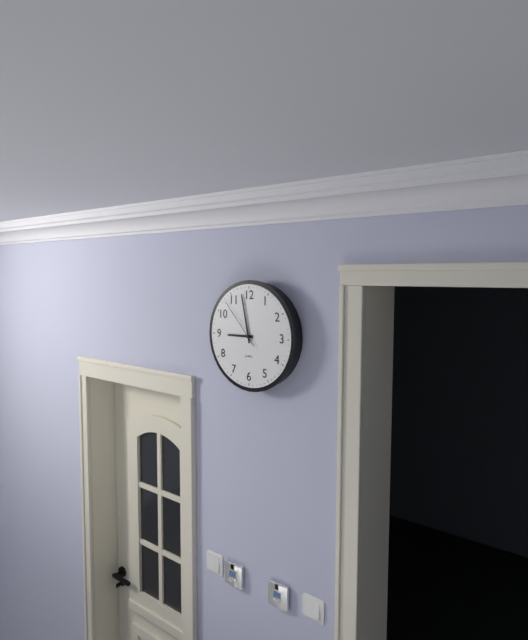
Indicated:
8:58:53
